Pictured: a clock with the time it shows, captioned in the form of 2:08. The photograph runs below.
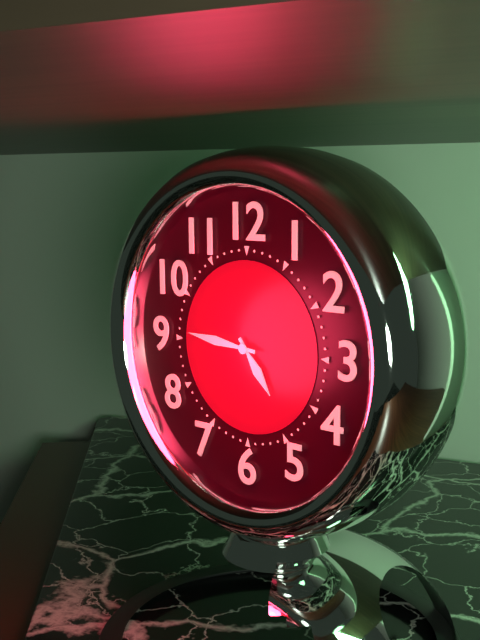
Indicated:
4:46
